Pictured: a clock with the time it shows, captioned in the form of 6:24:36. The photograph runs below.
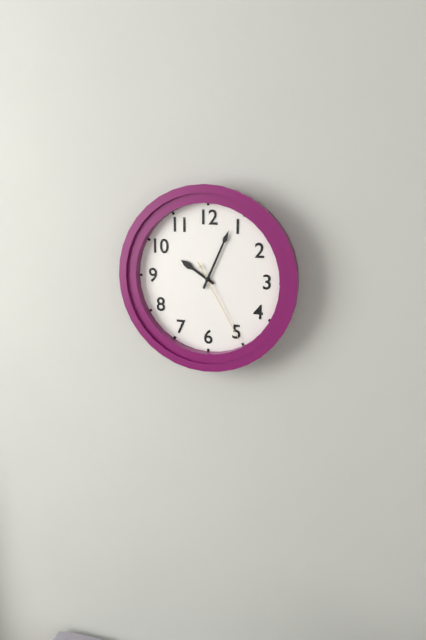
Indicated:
10:04:25
